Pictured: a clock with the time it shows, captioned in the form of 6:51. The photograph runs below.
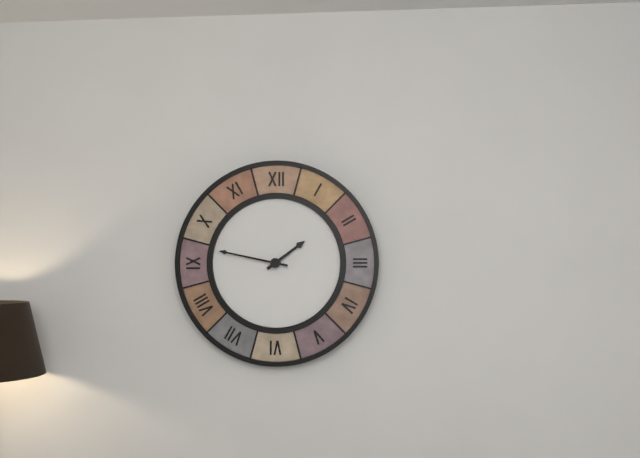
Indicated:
1:47
